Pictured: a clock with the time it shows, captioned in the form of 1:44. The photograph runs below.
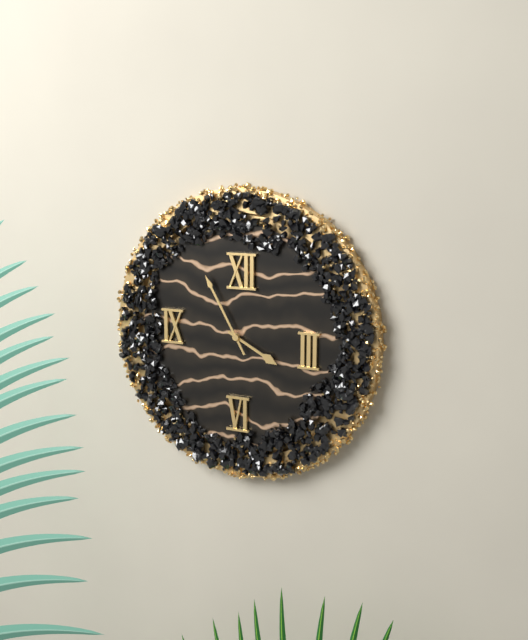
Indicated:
3:55
